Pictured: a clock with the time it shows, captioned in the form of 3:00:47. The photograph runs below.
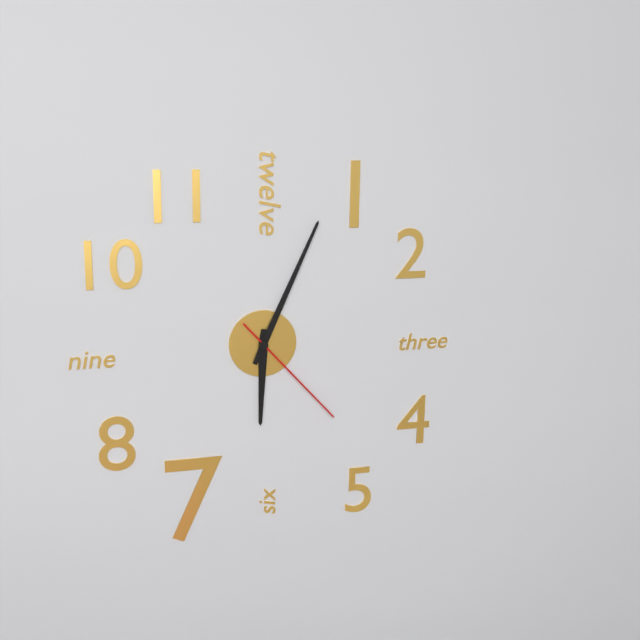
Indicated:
6:04:23
